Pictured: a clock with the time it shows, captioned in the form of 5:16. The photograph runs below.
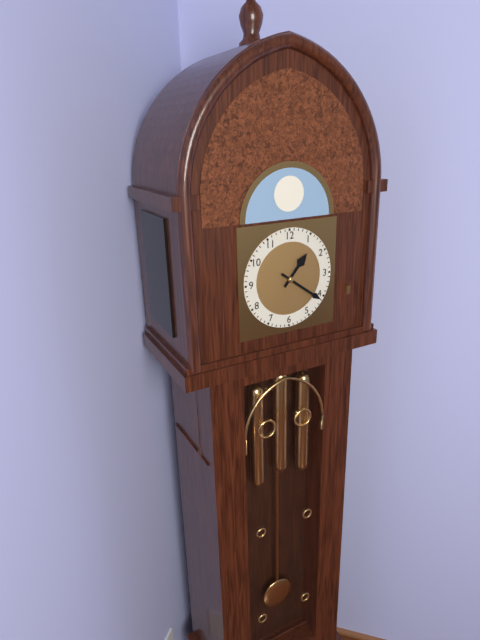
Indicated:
1:21
